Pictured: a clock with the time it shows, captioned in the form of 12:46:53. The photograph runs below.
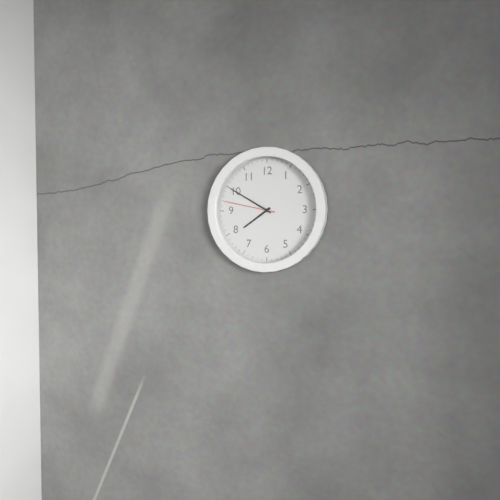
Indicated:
7:50:47
